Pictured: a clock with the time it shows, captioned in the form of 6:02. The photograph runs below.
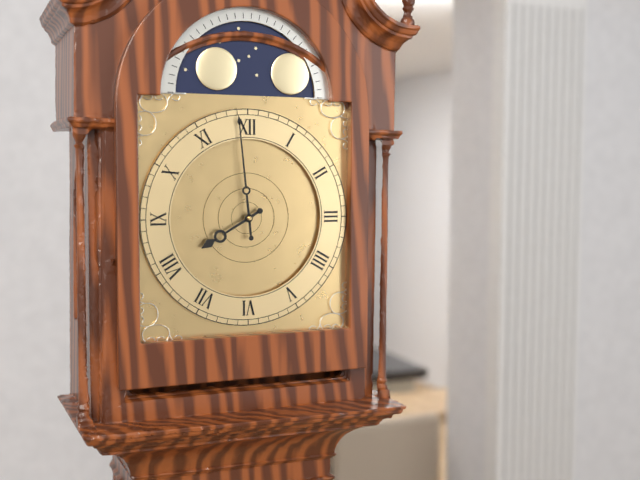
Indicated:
7:59
